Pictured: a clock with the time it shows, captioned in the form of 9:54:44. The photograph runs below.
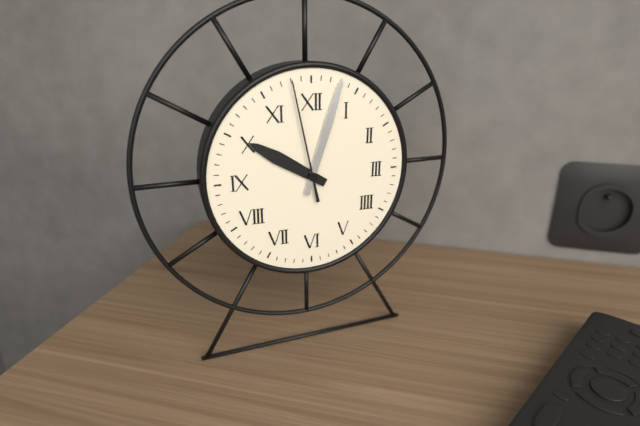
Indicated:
10:03:58
